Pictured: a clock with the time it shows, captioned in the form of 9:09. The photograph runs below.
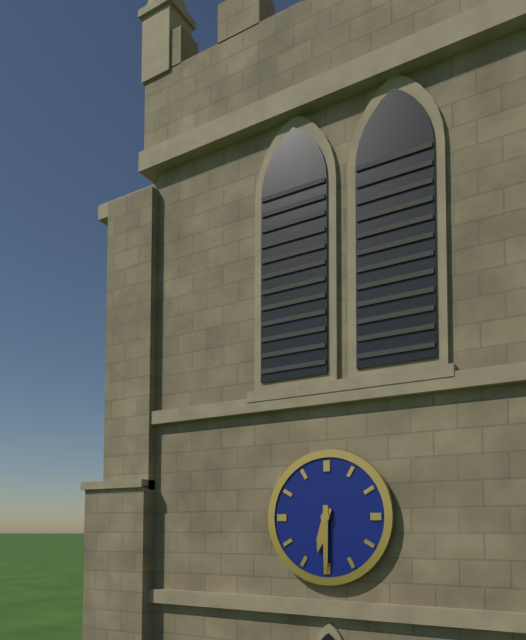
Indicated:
6:30
